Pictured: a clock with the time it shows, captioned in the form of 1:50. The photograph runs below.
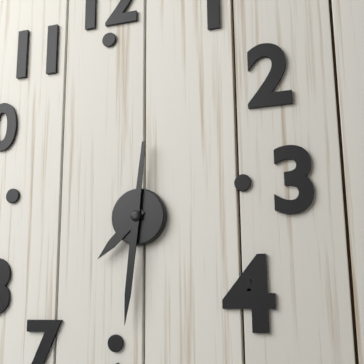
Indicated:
7:31
